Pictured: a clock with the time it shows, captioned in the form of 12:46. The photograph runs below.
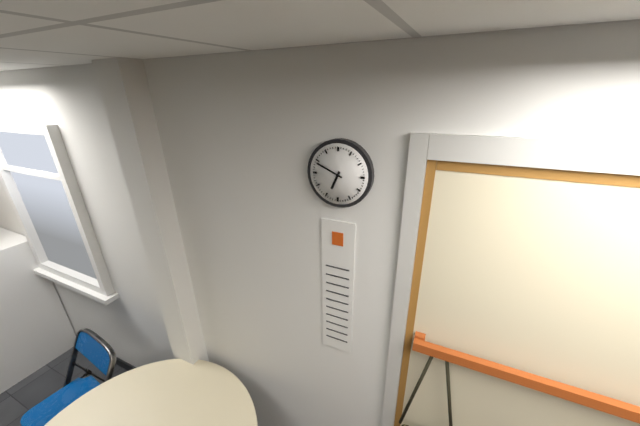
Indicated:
6:49
